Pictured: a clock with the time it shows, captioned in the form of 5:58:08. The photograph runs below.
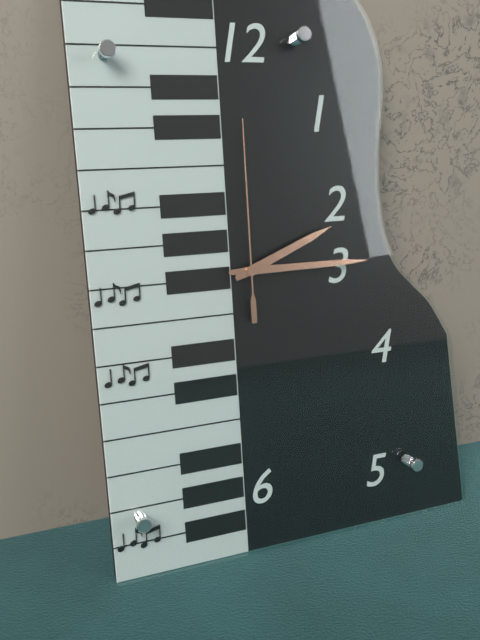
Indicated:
2:15:00
